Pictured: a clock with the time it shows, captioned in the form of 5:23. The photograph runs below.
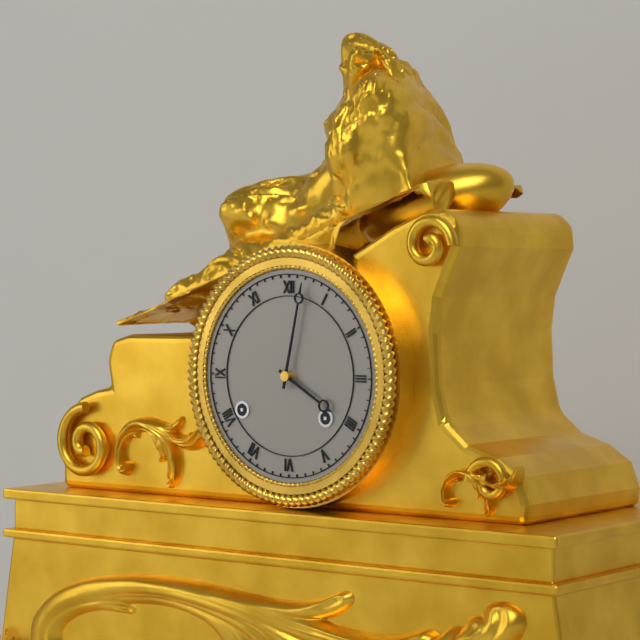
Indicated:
4:02
